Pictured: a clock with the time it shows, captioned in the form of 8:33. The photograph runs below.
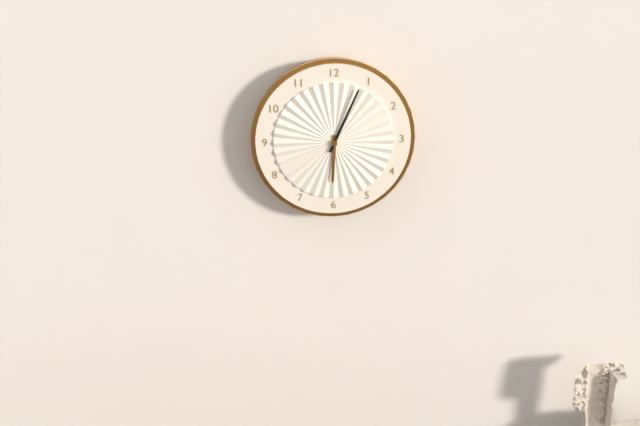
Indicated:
6:04
